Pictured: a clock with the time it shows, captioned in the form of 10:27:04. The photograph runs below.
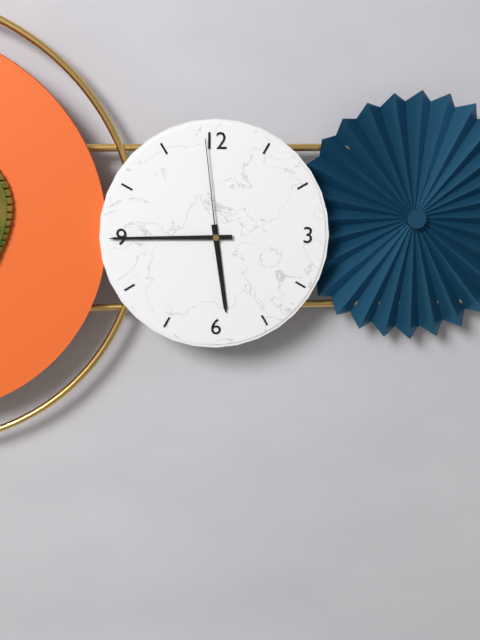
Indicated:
5:45:59
